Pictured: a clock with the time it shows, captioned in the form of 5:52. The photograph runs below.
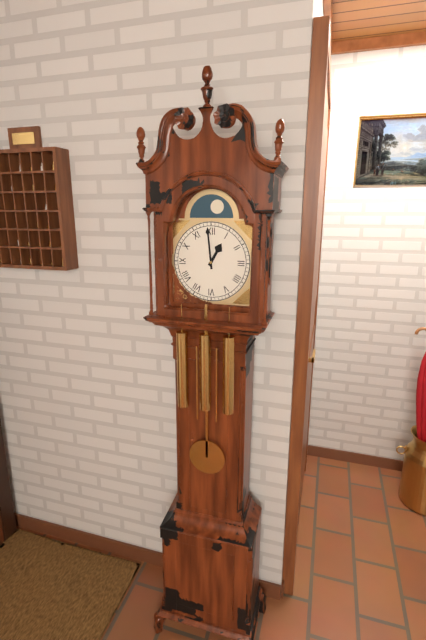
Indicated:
12:59
